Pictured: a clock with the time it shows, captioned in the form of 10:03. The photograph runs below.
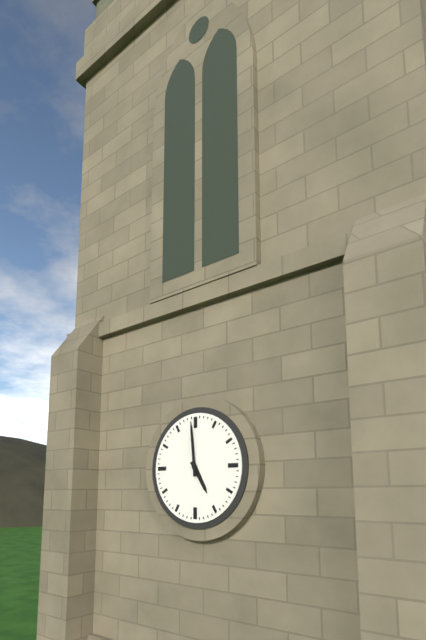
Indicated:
4:59
